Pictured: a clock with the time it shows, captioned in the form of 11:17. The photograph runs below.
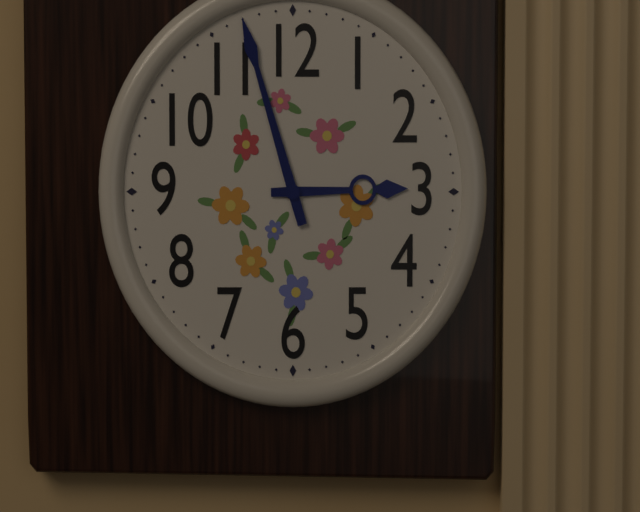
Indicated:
2:57
